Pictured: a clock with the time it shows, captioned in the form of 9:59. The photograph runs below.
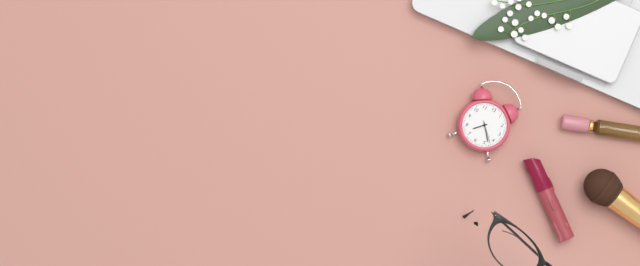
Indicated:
7:23
